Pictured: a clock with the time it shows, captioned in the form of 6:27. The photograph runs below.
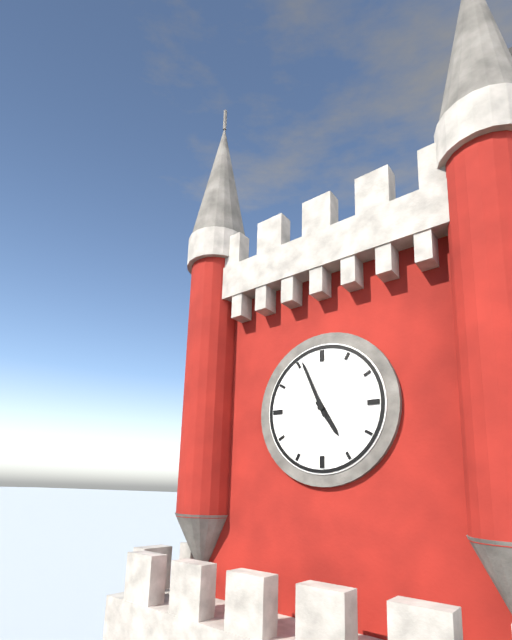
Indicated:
4:56
